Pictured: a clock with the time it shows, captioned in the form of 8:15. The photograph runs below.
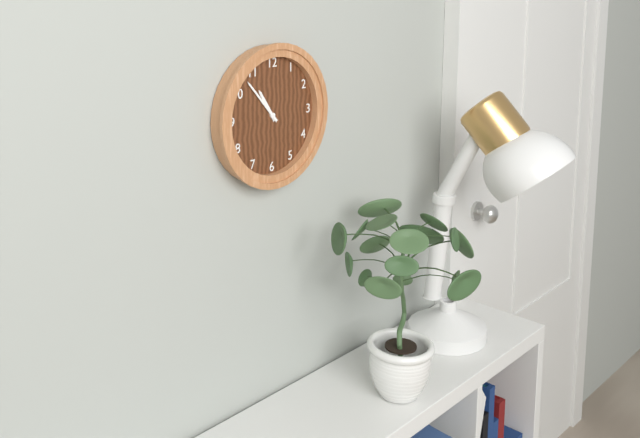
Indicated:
10:53
